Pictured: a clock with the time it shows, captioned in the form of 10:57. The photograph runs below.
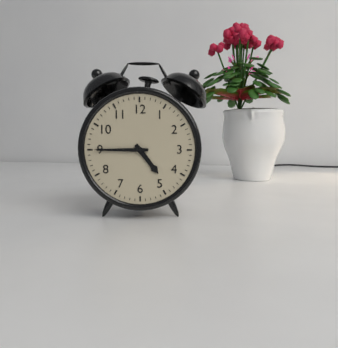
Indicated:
4:45
